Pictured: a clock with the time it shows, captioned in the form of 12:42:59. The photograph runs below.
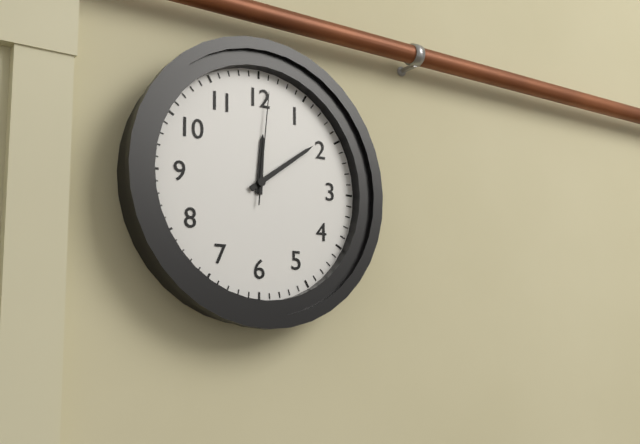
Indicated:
12:09:01
